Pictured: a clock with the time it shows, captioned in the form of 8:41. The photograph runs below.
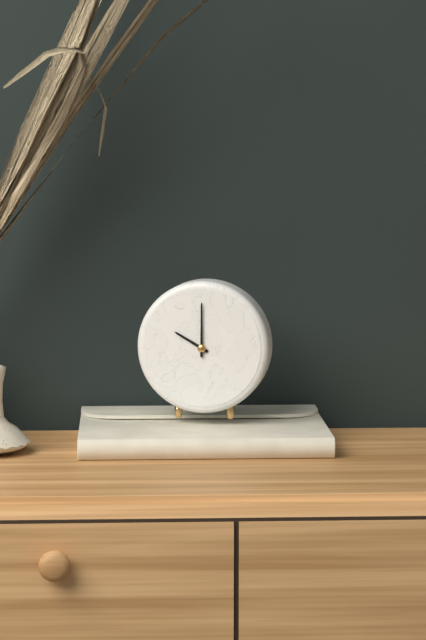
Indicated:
10:00
